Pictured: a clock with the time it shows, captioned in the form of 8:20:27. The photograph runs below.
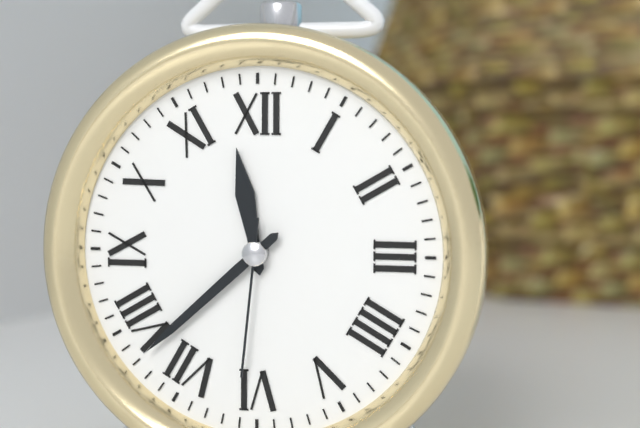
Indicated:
11:38:31
